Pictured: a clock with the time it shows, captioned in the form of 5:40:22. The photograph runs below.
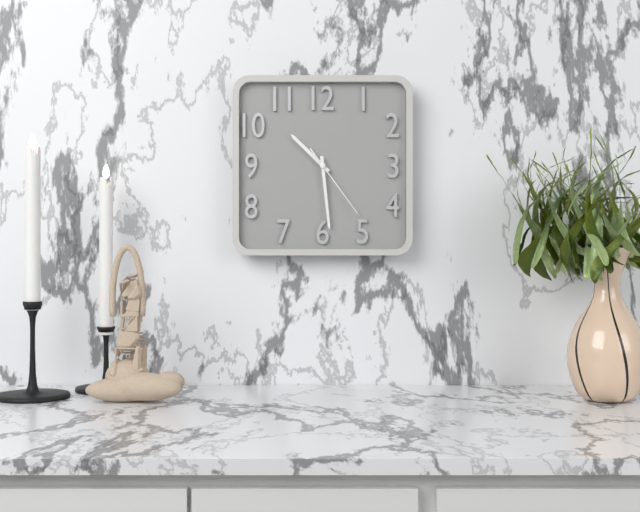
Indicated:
10:29:24
